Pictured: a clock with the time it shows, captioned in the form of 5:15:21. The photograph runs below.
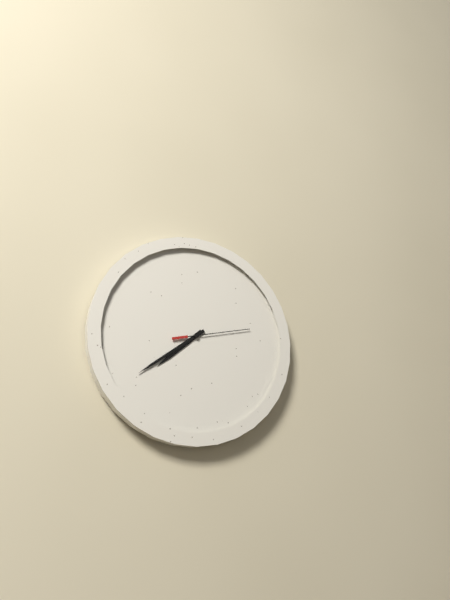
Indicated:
7:39:13
